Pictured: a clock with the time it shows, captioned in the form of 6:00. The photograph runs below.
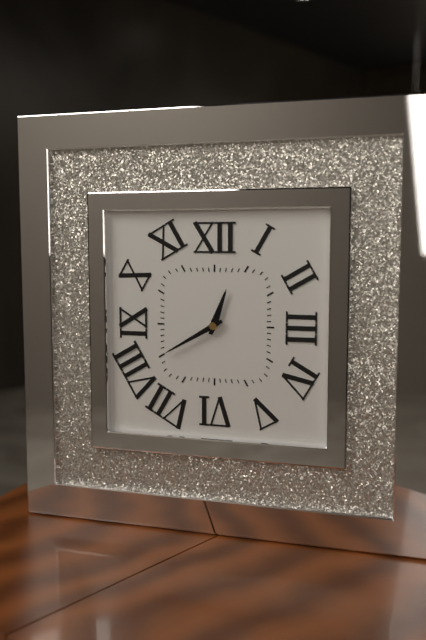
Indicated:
12:40
